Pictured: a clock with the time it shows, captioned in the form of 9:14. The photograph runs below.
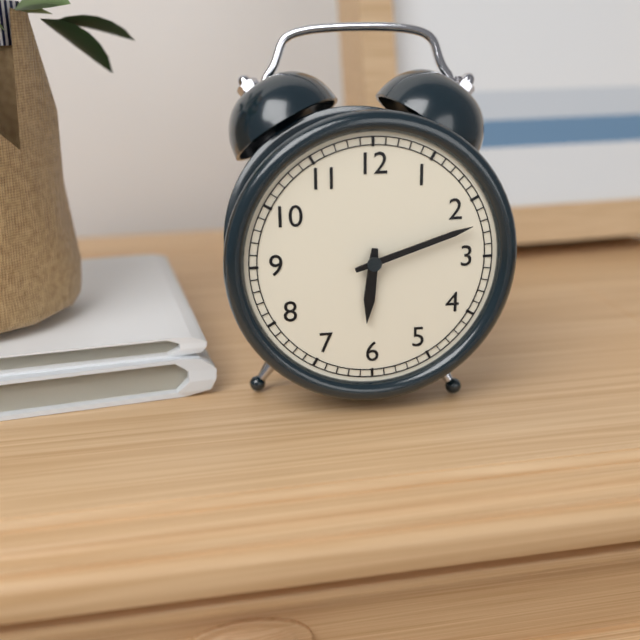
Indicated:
6:12
